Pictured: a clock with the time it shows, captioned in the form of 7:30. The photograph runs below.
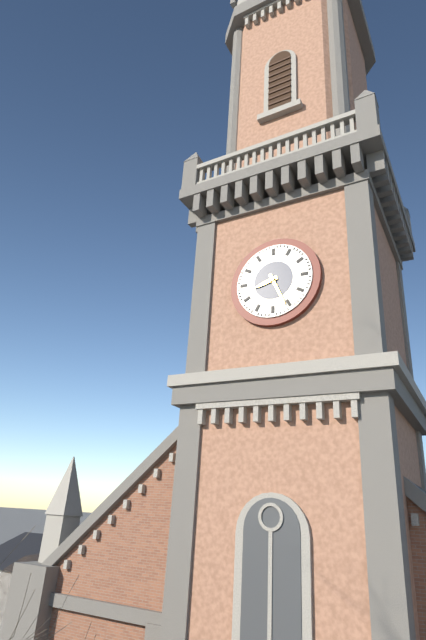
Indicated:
8:26
